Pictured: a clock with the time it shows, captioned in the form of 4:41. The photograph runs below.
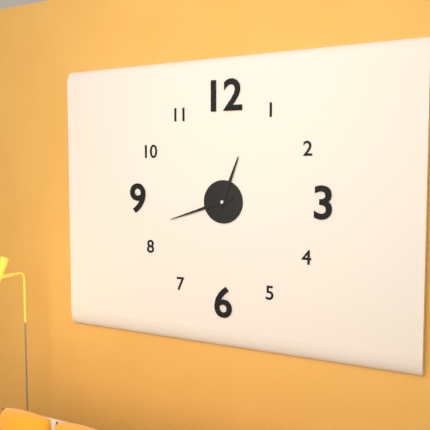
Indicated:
12:42
